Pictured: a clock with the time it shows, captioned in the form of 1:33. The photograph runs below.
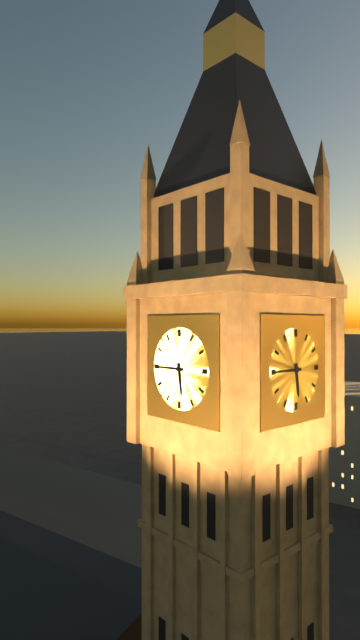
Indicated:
5:45
